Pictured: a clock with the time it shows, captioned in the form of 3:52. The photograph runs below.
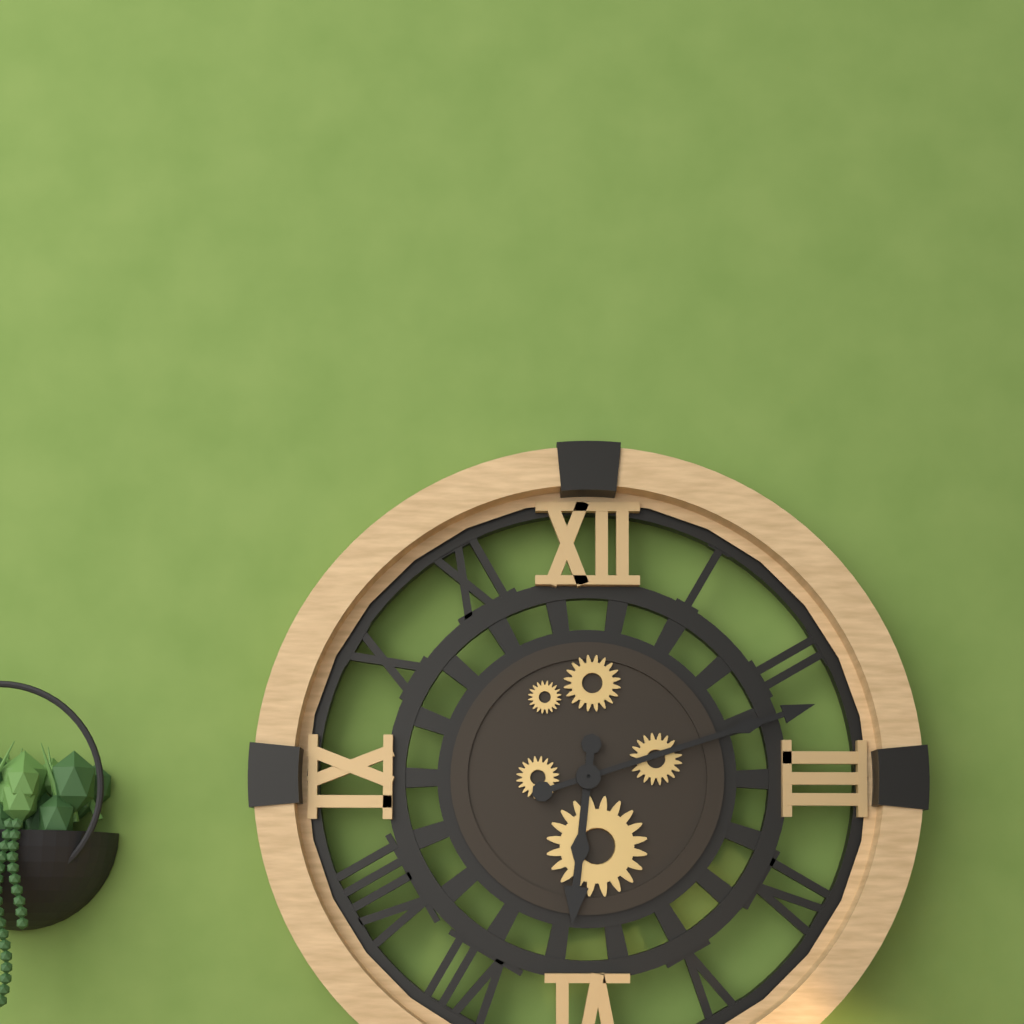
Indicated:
6:12
